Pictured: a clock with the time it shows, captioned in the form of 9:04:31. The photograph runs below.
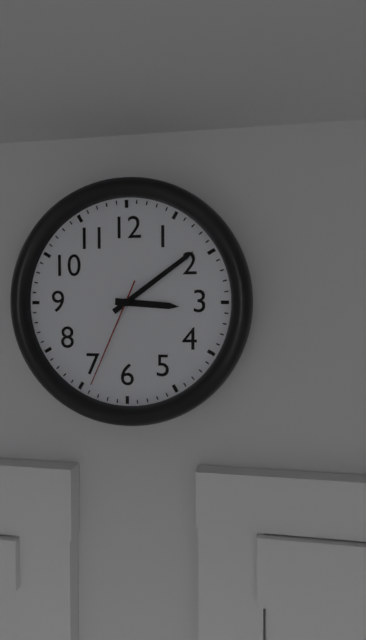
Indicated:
3:09:34
